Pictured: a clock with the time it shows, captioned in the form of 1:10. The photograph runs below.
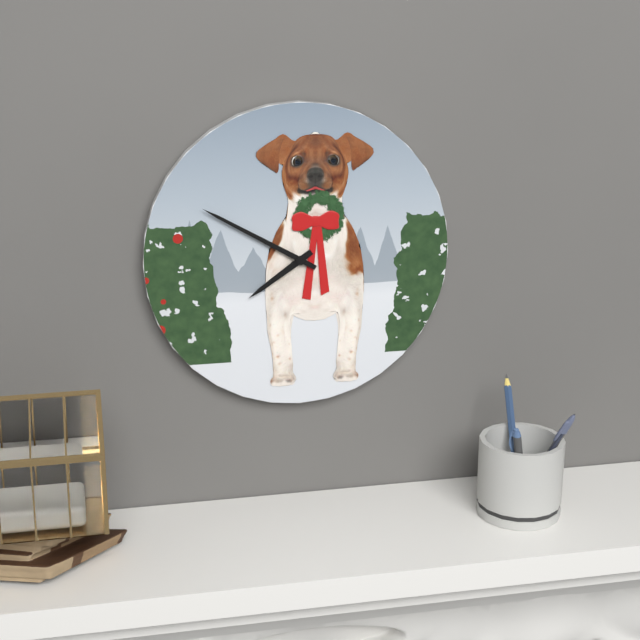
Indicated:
7:50
